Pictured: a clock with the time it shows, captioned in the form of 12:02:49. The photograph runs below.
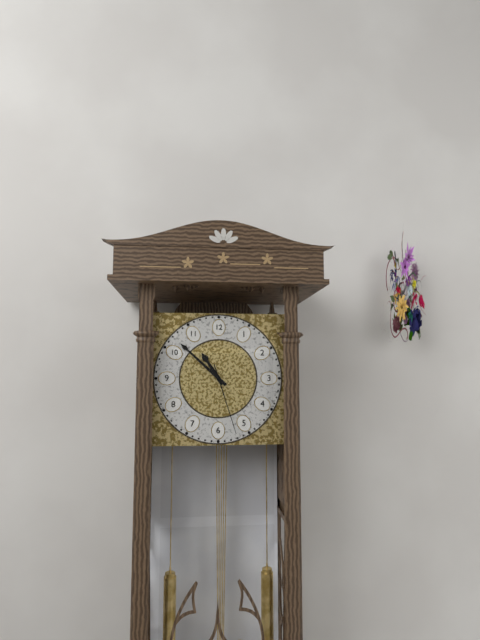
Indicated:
10:52:27
